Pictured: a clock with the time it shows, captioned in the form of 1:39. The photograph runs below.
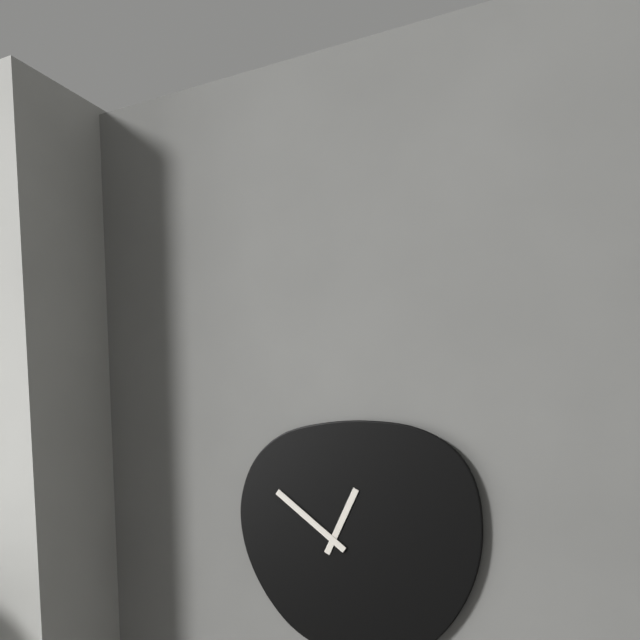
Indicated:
12:51
